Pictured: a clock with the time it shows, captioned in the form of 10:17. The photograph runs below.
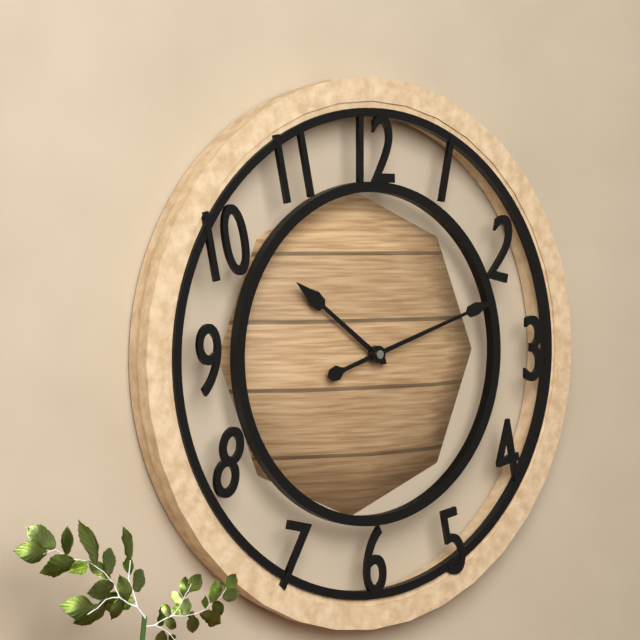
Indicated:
10:12
